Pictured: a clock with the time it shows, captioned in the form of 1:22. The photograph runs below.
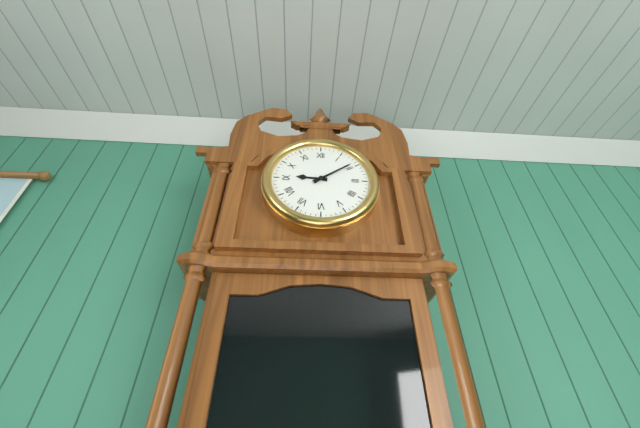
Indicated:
9:09
